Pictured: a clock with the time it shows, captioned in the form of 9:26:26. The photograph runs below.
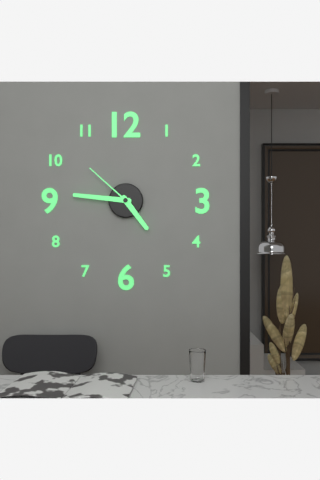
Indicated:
4:46:52
